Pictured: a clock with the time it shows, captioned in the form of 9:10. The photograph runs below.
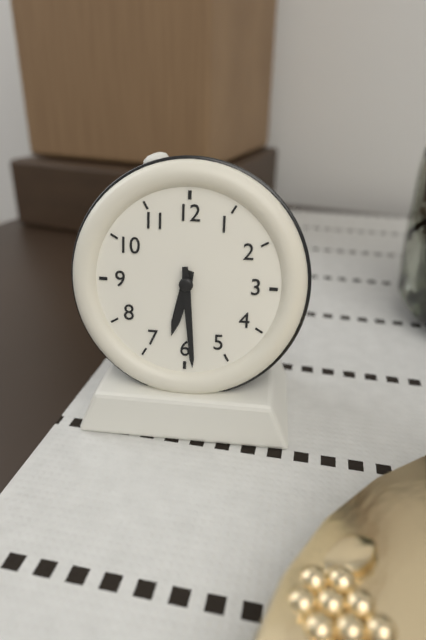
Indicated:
6:29
